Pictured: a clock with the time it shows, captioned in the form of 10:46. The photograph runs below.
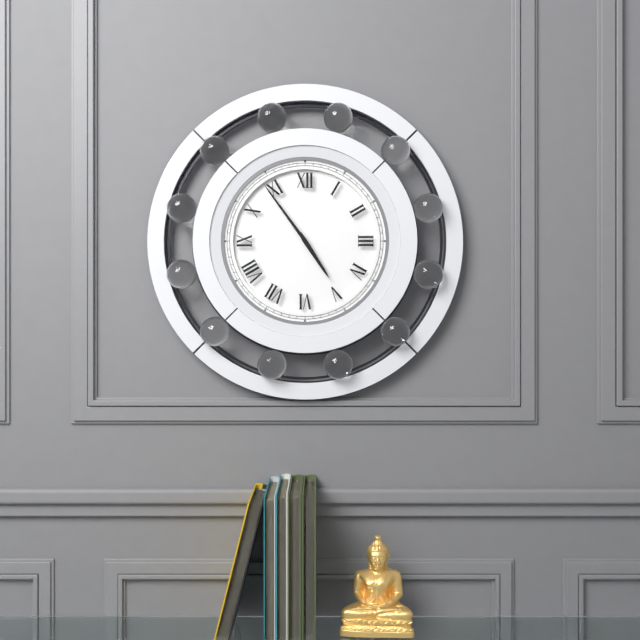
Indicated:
4:54
